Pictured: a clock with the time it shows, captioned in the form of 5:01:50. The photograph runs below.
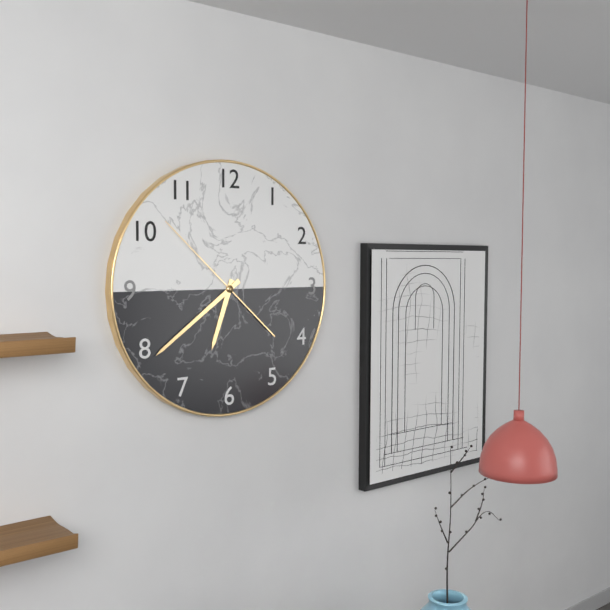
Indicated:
6:39:52
